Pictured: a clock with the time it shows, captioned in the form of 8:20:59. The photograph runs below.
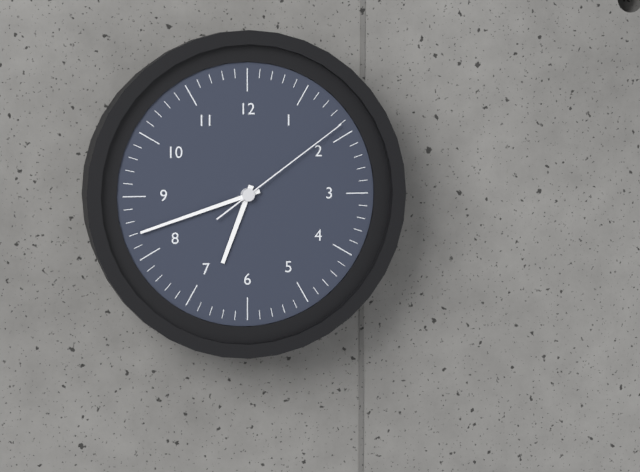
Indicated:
6:42:09
